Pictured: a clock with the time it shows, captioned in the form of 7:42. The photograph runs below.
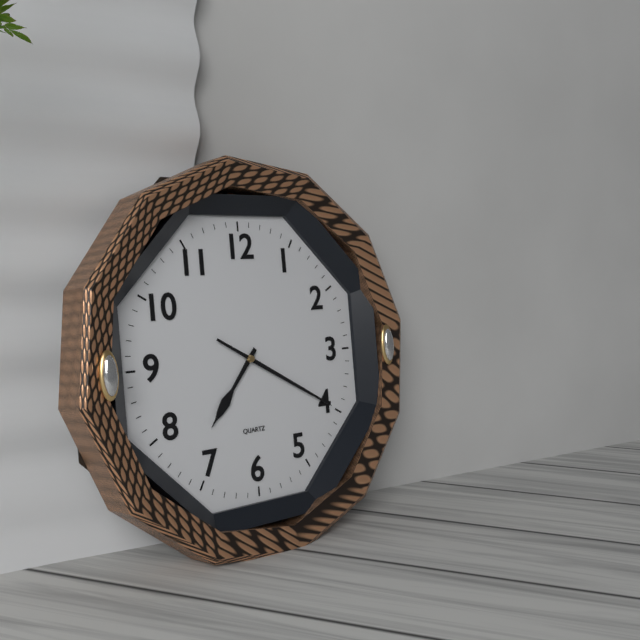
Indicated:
7:20
